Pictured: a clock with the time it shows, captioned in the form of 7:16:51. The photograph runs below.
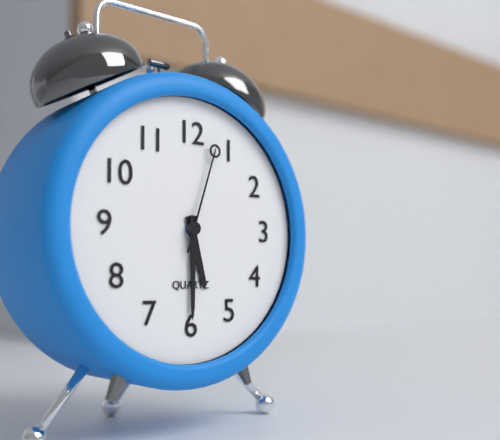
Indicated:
5:30:03
